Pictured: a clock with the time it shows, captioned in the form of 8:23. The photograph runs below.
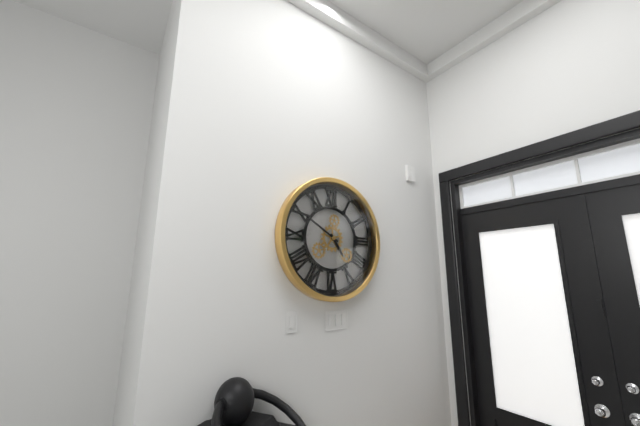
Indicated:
4:50
